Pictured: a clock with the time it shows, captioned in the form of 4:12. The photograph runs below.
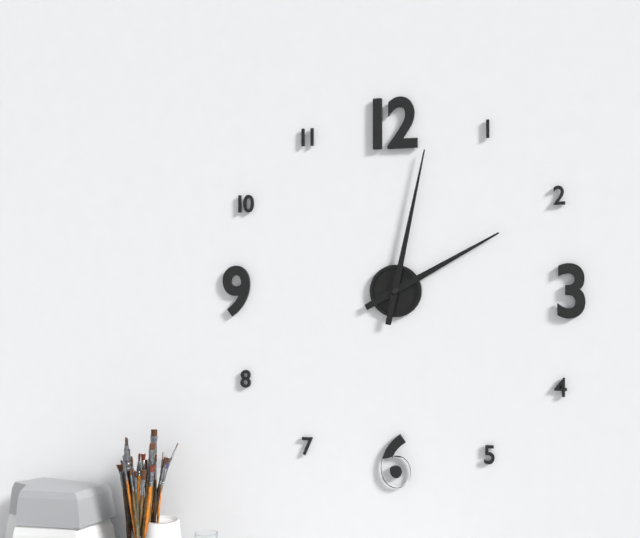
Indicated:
2:02
